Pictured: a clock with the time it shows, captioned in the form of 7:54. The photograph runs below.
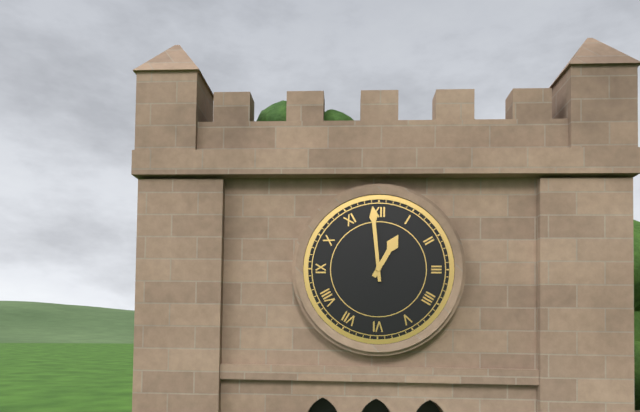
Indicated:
12:59
